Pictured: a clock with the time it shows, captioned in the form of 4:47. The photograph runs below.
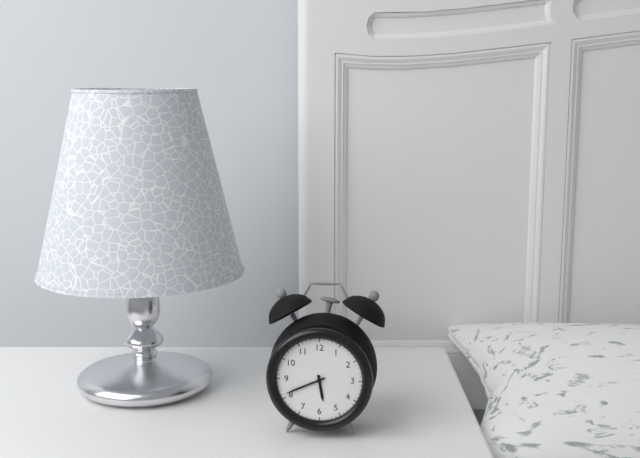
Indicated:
5:41
